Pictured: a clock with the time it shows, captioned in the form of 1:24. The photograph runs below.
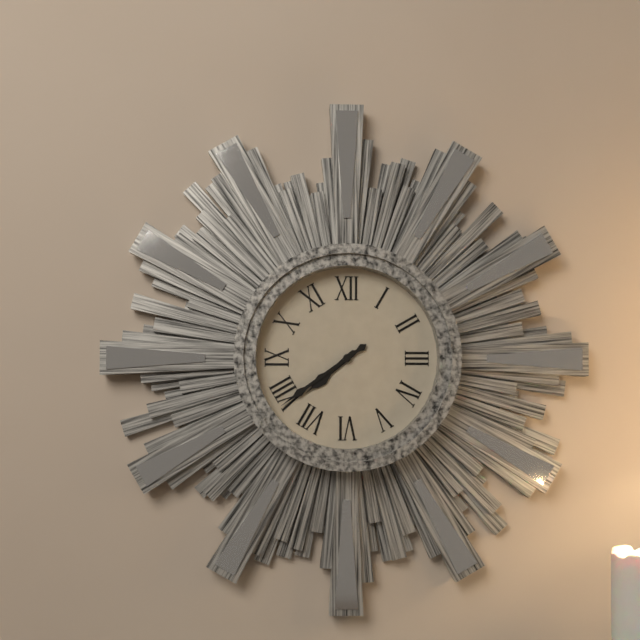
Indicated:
7:39
